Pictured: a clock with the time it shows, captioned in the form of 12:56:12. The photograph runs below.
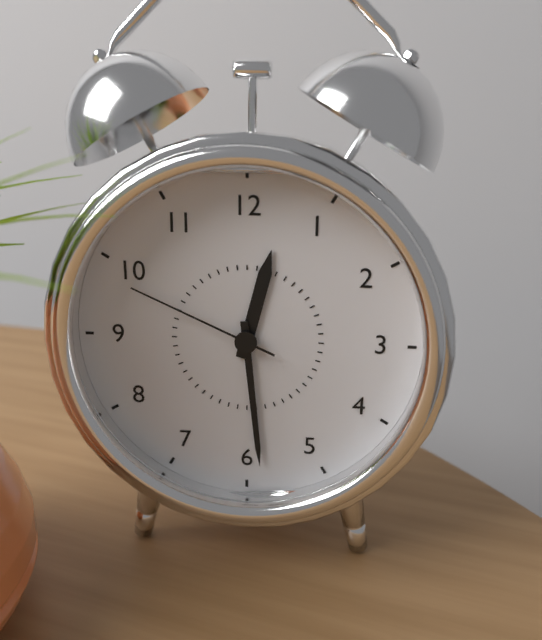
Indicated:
12:29:49
